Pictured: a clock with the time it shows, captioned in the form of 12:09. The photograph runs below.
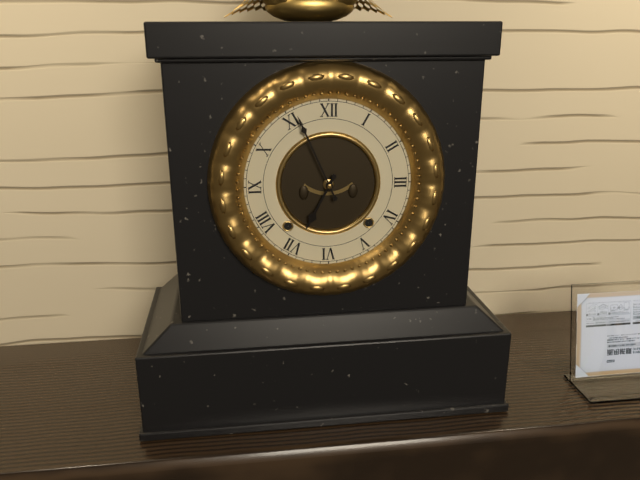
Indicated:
6:56
